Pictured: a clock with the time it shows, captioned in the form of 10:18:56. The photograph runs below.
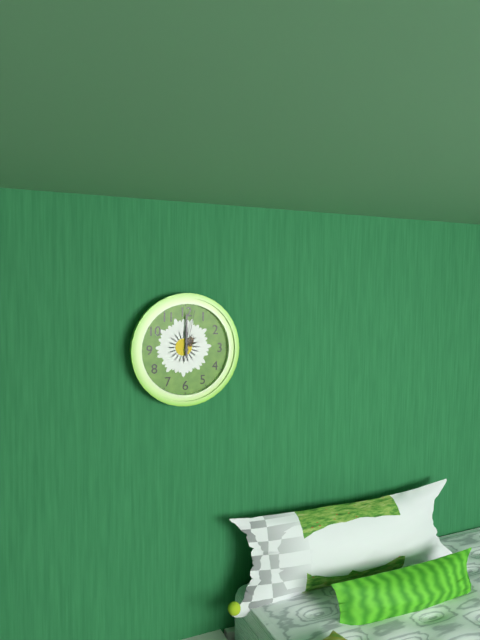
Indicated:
12:00:02
